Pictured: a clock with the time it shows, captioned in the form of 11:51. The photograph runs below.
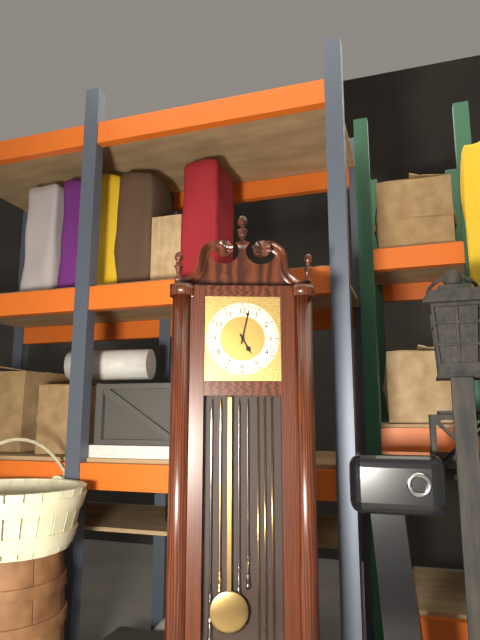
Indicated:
5:02
